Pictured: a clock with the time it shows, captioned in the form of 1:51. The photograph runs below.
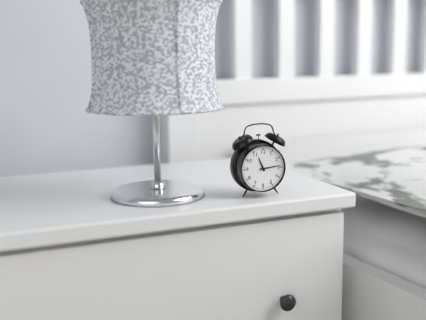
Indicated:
11:14
